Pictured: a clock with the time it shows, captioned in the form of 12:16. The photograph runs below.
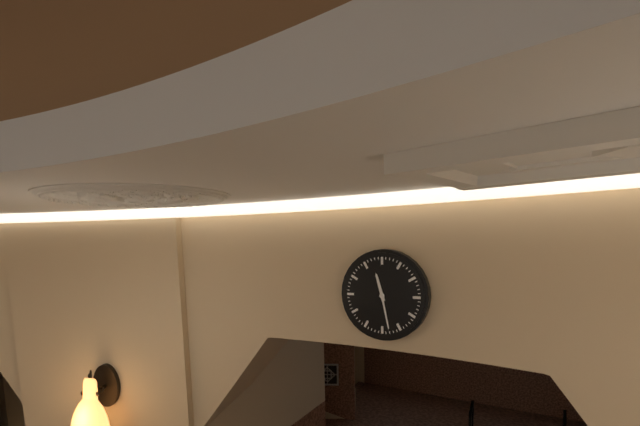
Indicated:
11:28
